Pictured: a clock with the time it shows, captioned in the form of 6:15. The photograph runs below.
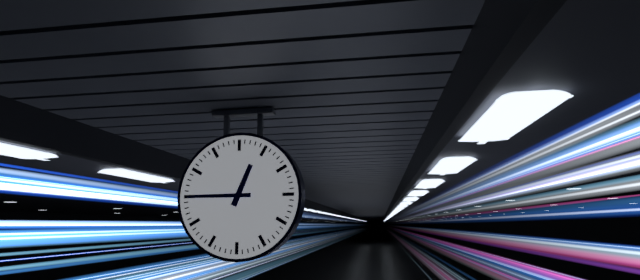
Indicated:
12:45
